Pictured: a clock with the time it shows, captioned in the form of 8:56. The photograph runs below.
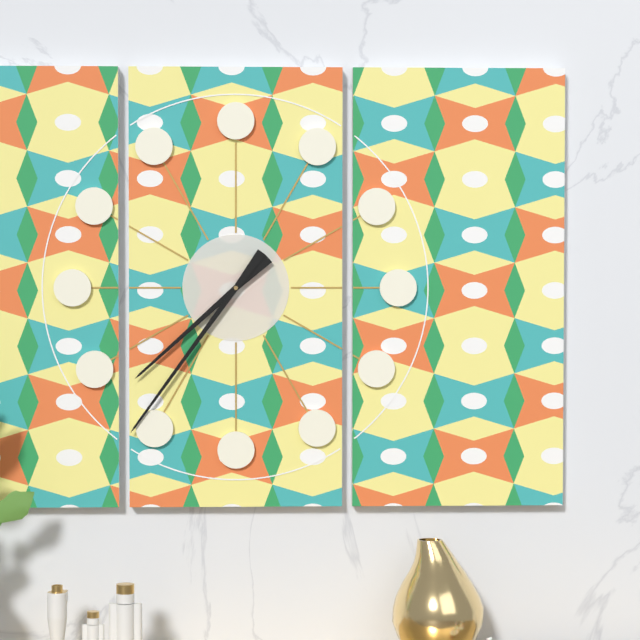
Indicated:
7:36
